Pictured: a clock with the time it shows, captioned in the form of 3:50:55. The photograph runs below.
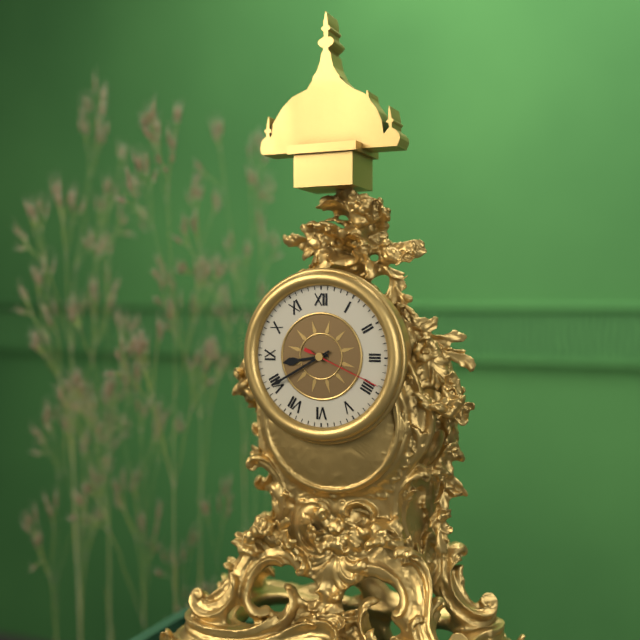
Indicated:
8:40:19
